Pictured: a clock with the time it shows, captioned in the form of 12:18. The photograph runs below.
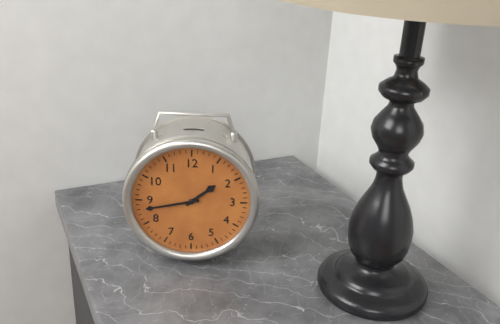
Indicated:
1:43
